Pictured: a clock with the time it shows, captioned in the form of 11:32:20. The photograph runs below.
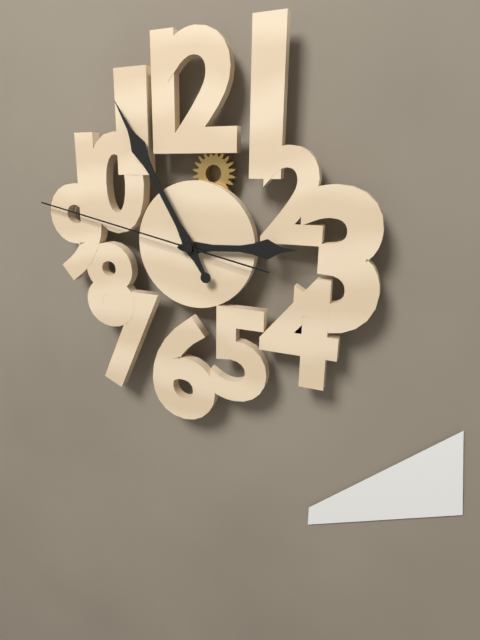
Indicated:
2:55:47
